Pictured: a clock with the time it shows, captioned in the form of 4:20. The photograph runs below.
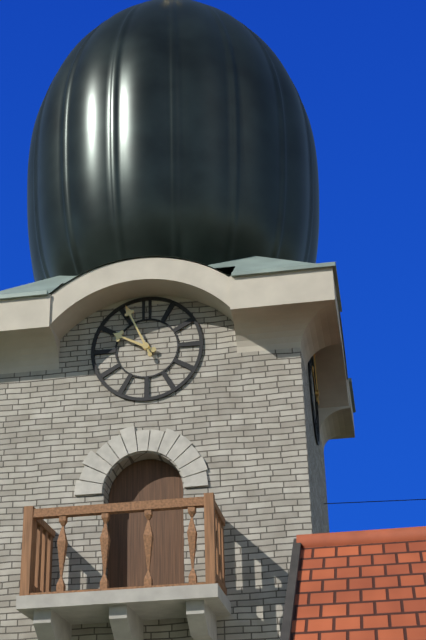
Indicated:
9:56
